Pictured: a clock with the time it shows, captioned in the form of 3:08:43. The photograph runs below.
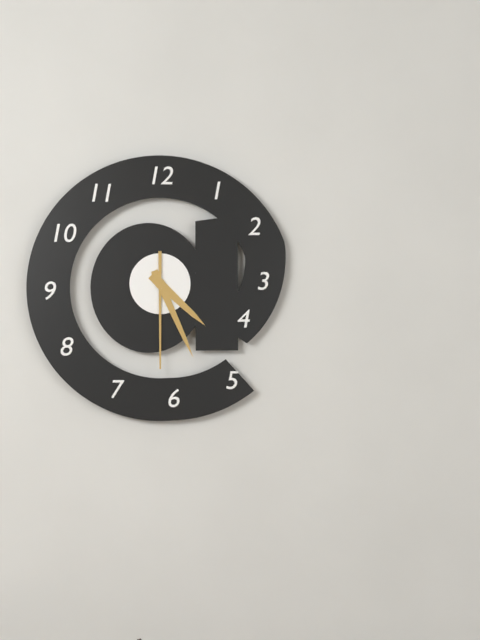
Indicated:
4:26:30
